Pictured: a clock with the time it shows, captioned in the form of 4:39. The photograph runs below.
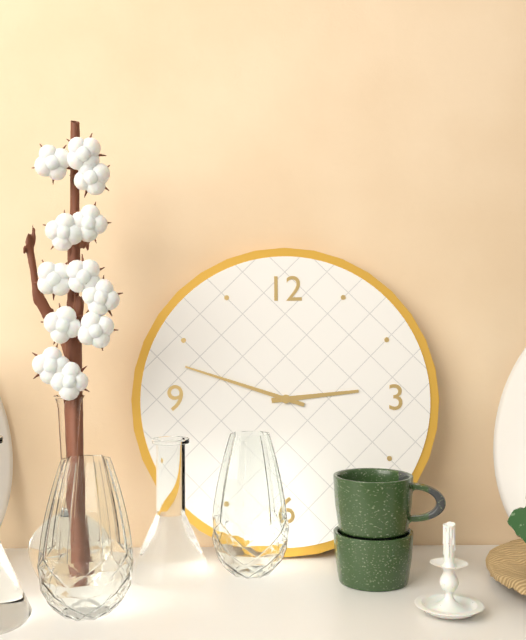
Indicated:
2:48
